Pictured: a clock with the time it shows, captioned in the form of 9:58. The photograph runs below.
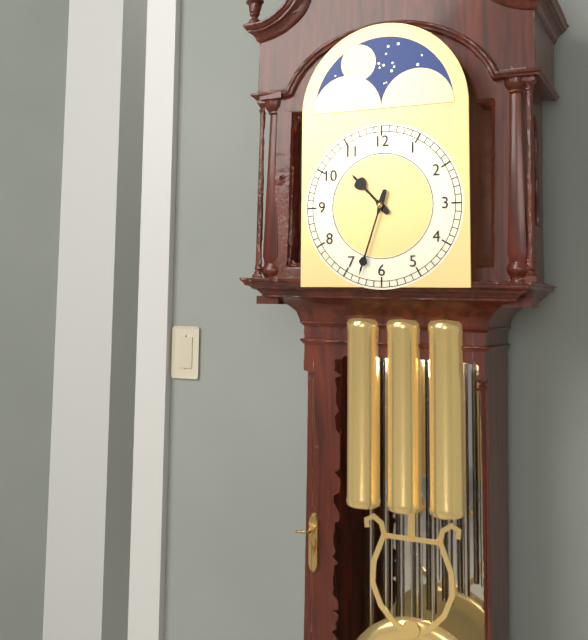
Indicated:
10:33
